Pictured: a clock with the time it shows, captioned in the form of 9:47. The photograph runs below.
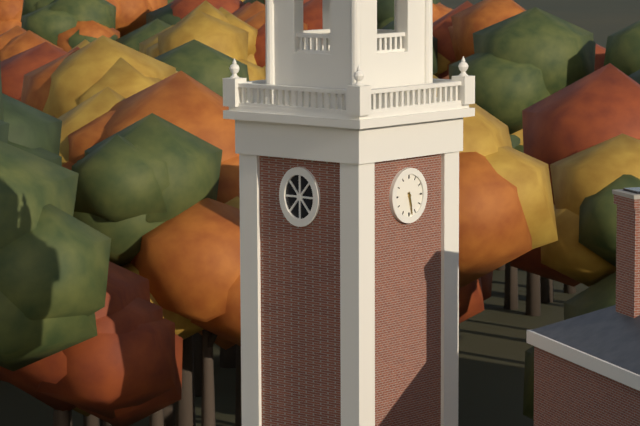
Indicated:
5:28
